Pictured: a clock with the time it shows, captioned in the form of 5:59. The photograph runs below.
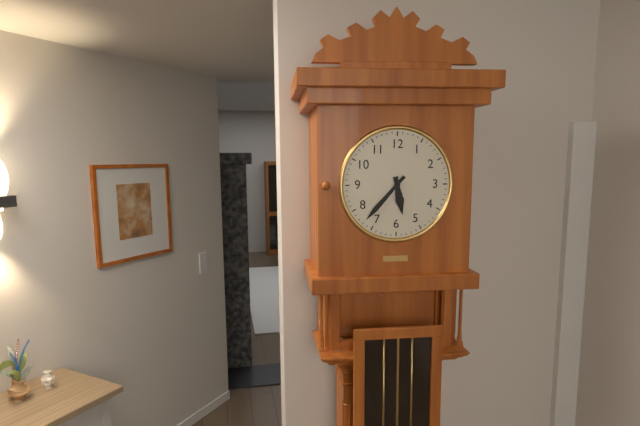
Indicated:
5:37
